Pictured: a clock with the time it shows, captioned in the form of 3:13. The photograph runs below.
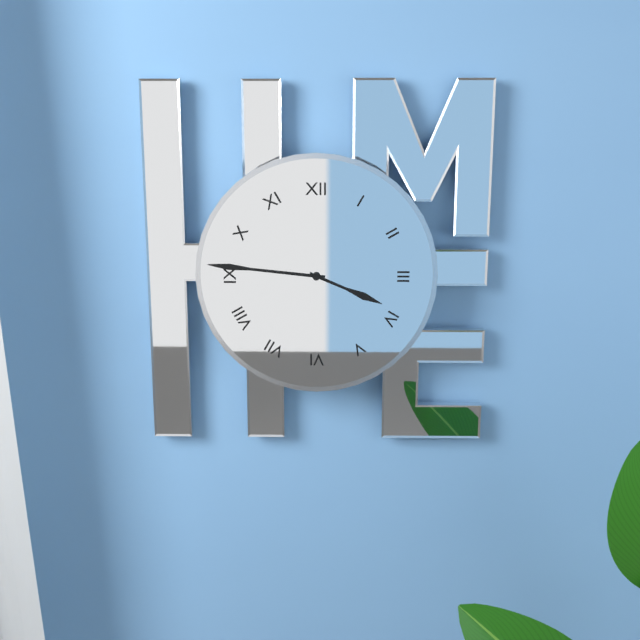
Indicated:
3:46
